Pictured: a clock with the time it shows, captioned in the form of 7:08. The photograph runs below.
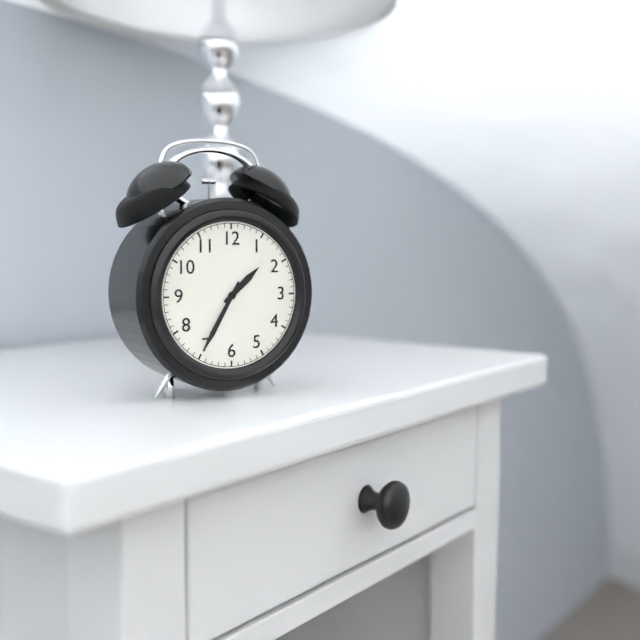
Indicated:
1:35
